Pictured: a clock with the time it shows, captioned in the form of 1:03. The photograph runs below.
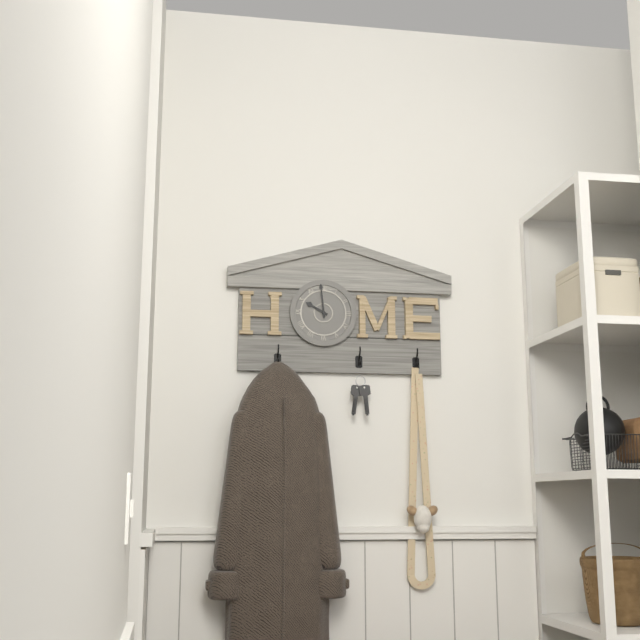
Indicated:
9:59
